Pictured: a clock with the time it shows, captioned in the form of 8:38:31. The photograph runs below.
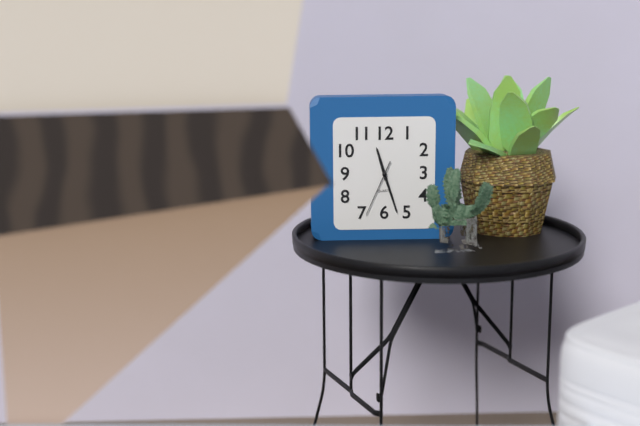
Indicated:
11:27:34
